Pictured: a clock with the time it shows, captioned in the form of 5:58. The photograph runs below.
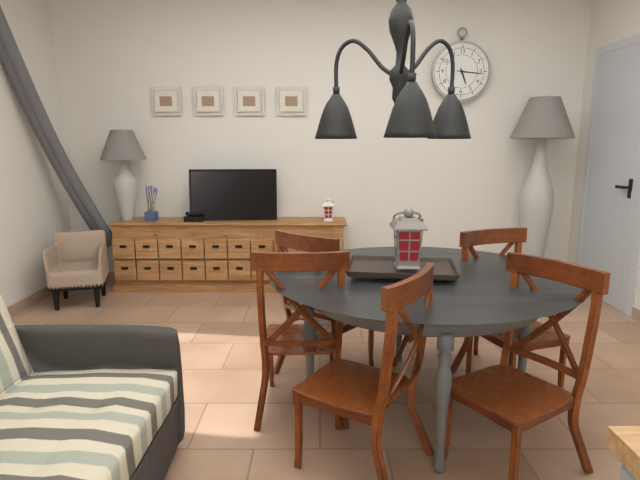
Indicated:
5:16
